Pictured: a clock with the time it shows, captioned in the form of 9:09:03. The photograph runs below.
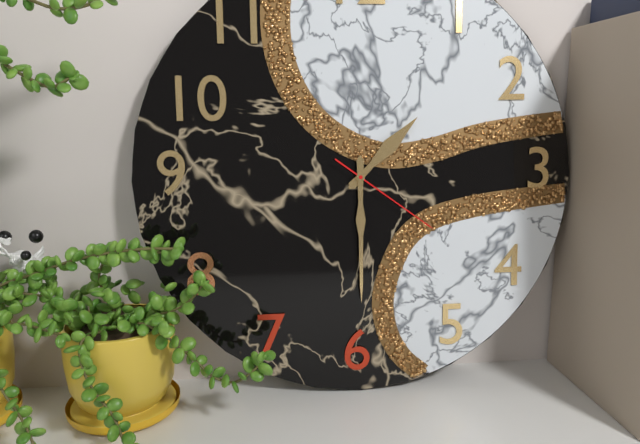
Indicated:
1:30:21
